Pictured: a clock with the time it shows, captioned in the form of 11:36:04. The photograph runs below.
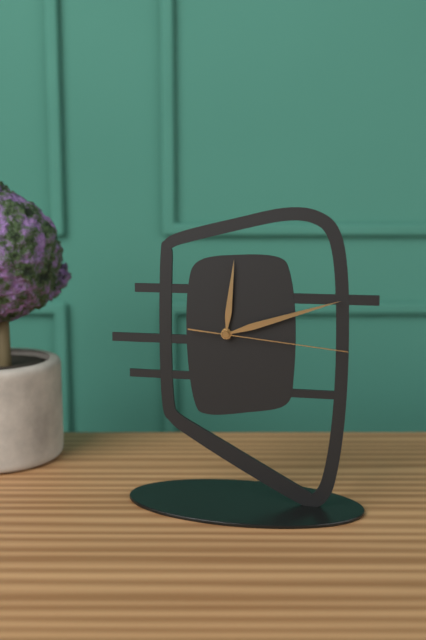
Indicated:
12:12:16
